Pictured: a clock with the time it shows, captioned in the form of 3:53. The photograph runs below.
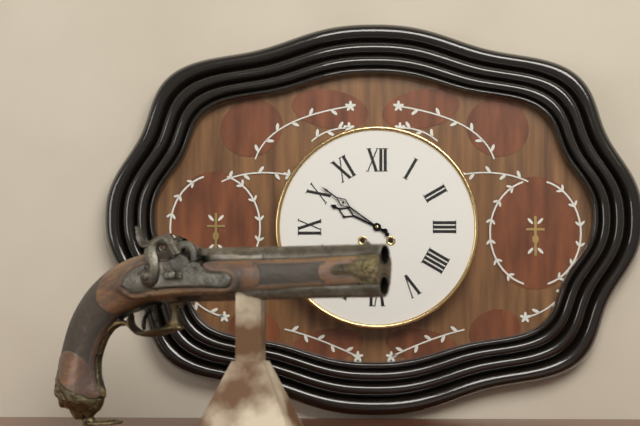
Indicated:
9:51
